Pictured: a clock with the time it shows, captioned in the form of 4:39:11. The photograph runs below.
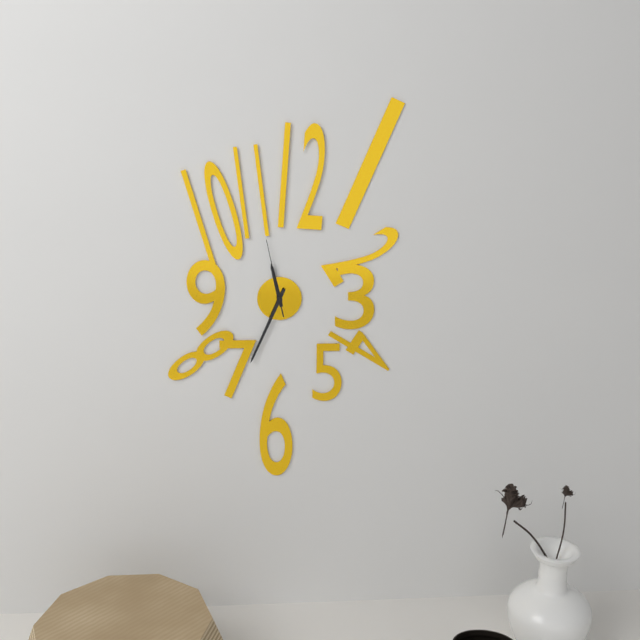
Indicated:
11:34:58
